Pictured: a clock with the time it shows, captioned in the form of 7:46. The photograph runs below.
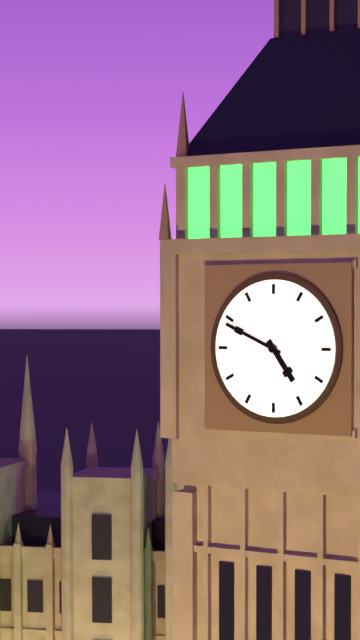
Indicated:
4:49
